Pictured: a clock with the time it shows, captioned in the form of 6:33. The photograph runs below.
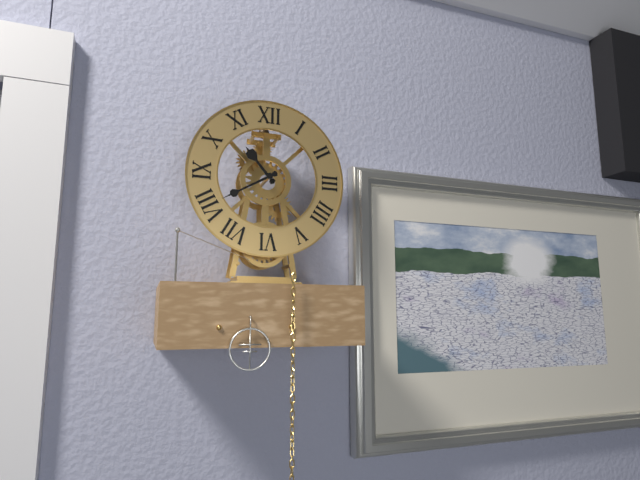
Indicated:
10:40
